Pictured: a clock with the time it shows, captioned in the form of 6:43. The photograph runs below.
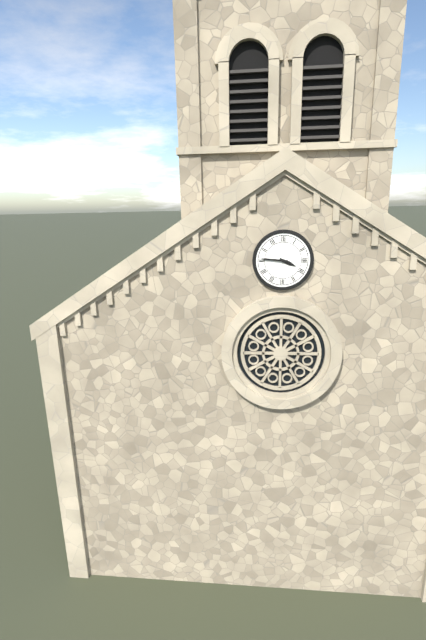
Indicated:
3:46
